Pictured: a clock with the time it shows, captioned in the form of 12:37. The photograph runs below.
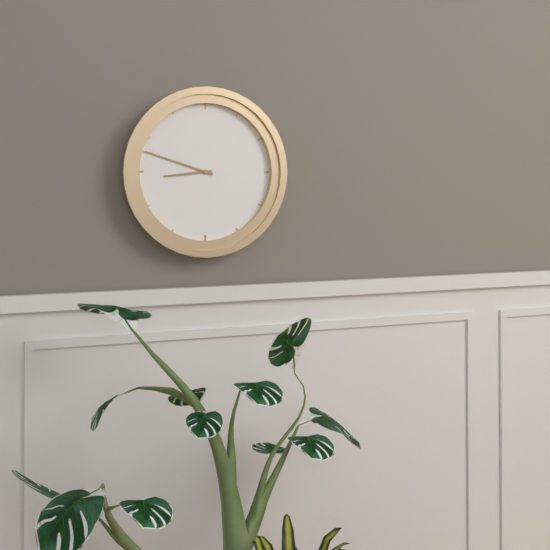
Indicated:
8:48
